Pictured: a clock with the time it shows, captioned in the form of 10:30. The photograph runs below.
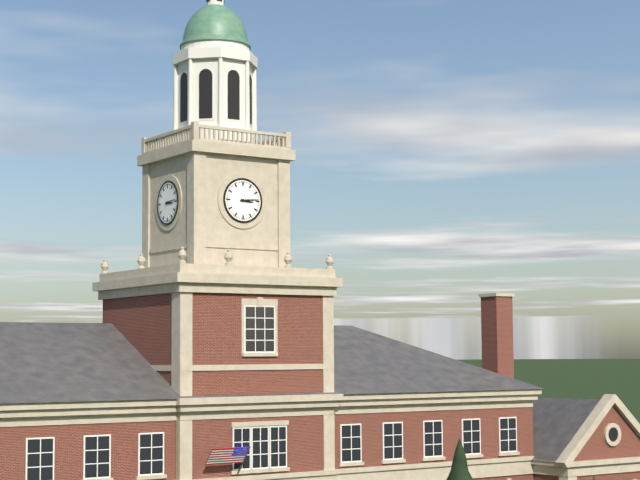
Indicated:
3:14
